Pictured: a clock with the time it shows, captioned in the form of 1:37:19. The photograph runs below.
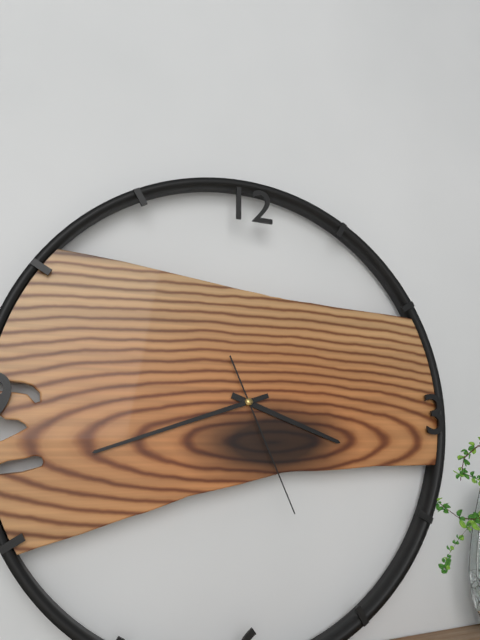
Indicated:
3:42:26
